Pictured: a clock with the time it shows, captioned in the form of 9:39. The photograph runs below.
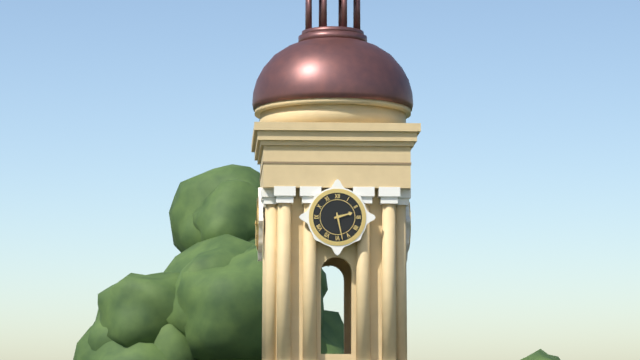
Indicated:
2:28
